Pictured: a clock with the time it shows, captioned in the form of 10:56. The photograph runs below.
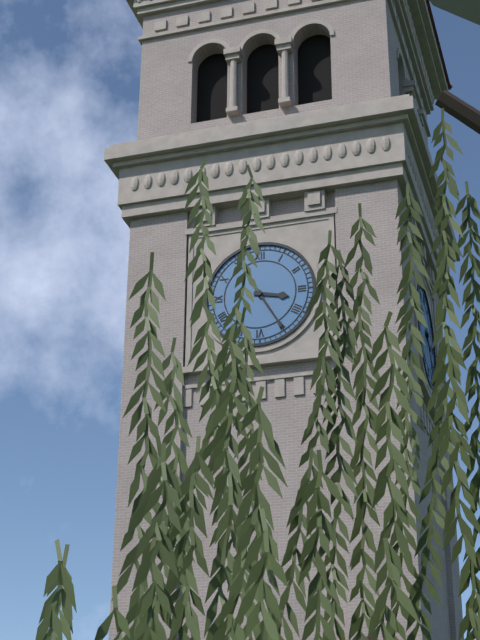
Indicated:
3:25
